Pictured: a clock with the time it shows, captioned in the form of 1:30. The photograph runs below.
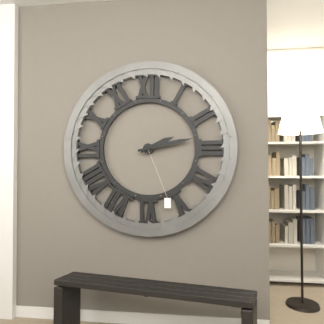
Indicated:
2:13
